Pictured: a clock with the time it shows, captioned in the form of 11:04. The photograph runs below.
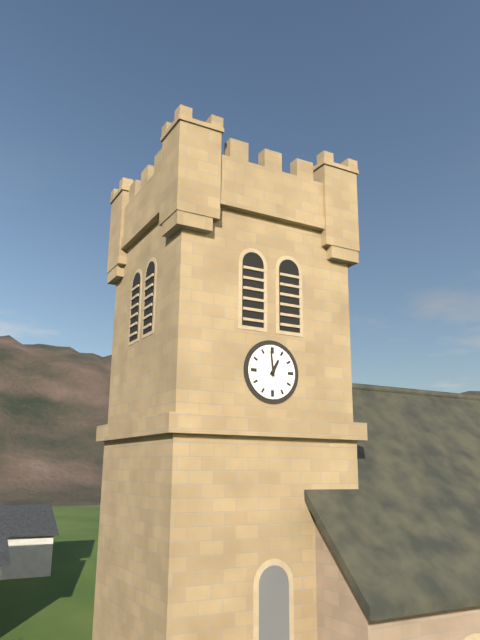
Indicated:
12:59
